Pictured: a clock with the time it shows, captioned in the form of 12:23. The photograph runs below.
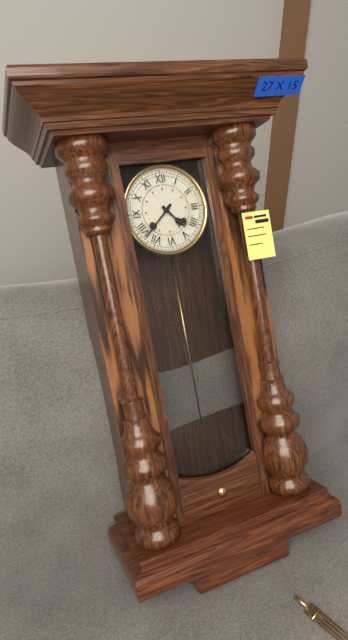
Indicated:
4:38
